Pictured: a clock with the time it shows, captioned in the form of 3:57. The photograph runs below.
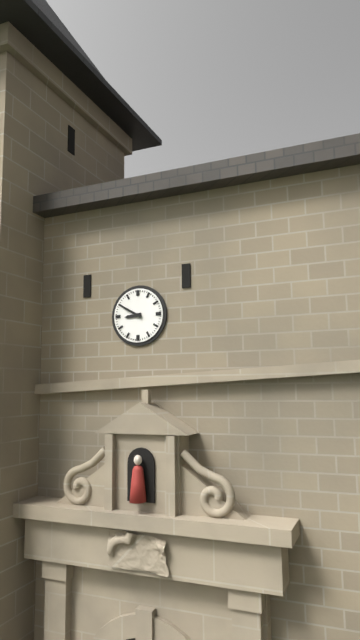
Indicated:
8:50
